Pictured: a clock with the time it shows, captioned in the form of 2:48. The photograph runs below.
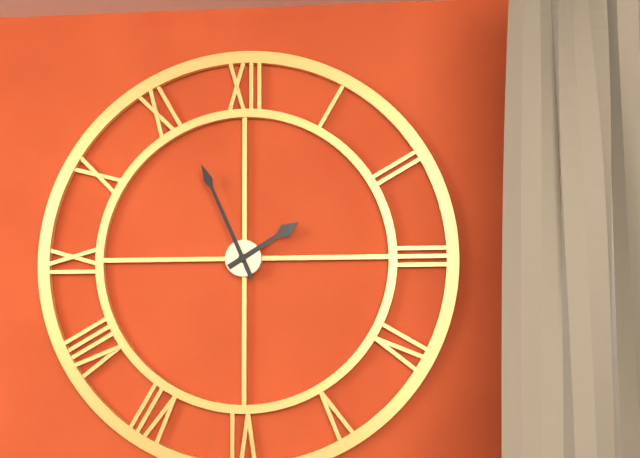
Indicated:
1:56
